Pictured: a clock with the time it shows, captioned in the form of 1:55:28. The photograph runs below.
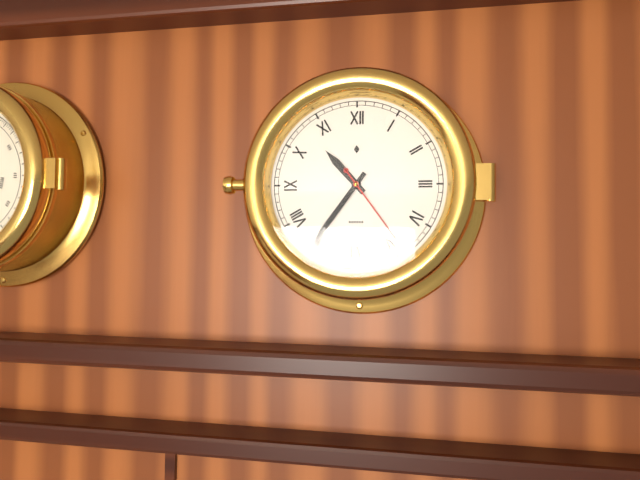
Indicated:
10:36:24
